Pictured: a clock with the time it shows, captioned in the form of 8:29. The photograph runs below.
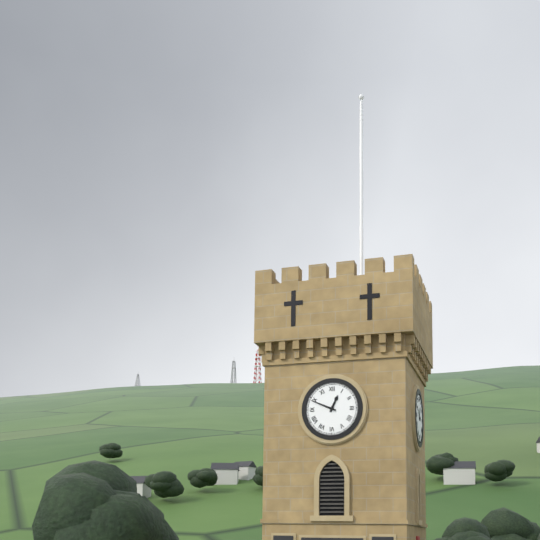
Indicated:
12:49
